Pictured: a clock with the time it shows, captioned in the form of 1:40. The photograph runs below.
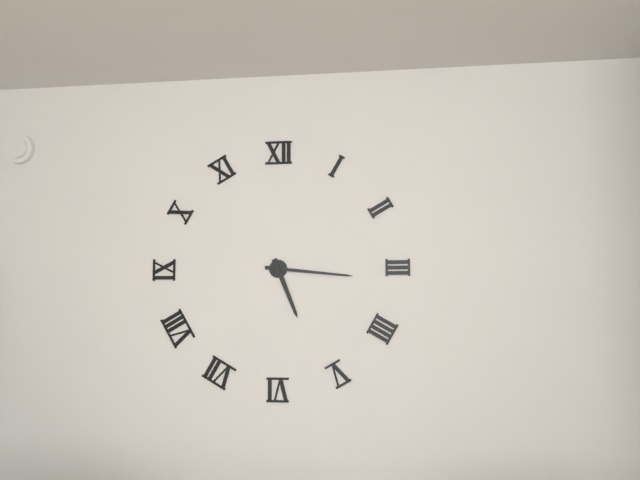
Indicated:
5:16
